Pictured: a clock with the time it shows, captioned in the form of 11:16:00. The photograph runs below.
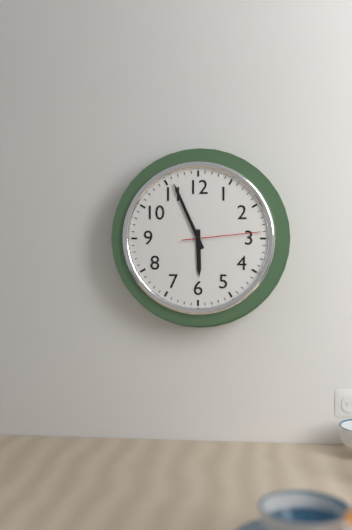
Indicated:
5:56:14
